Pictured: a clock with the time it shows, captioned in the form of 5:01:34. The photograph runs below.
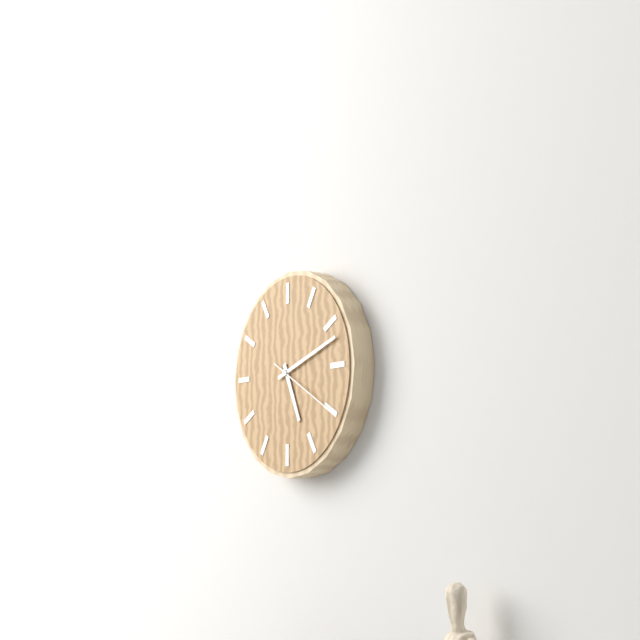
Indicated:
5:12:20
